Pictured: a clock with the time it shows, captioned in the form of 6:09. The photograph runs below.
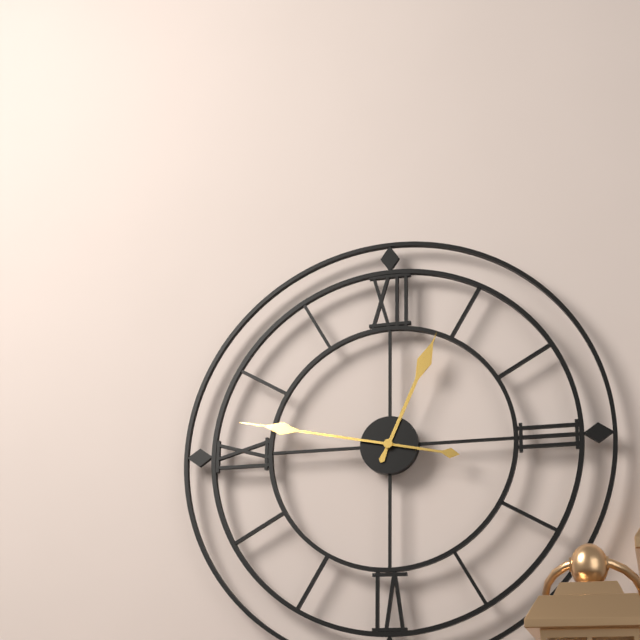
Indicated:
12:47
